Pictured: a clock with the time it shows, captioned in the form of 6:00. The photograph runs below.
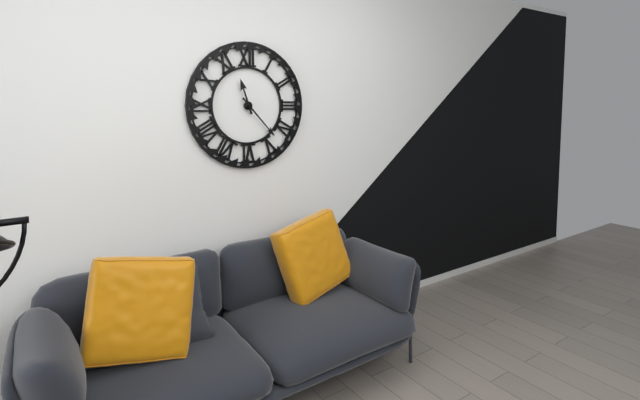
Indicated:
11:23
